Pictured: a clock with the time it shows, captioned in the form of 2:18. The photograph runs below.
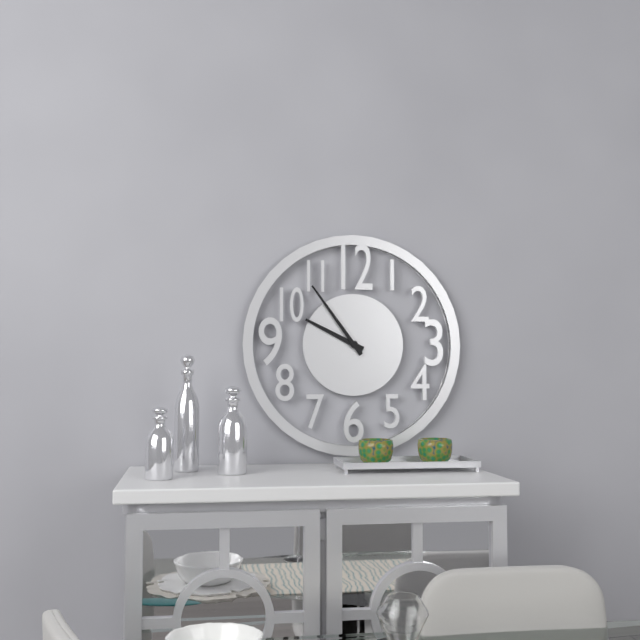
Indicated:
9:54
